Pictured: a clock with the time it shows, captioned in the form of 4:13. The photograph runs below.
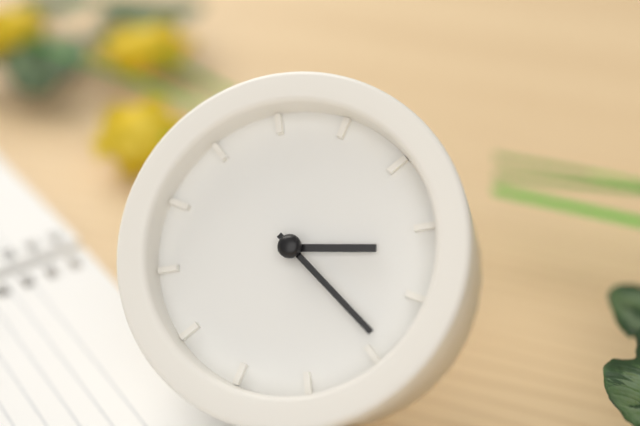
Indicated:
2:19
